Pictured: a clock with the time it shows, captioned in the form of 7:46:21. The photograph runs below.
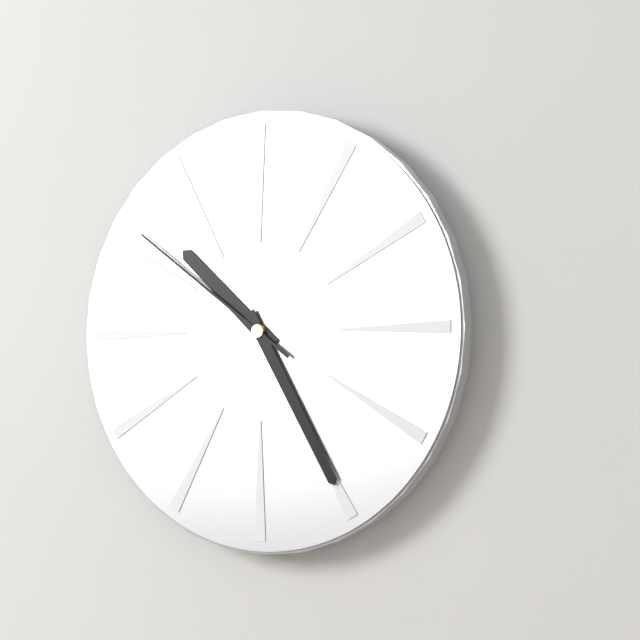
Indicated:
10:25:51
